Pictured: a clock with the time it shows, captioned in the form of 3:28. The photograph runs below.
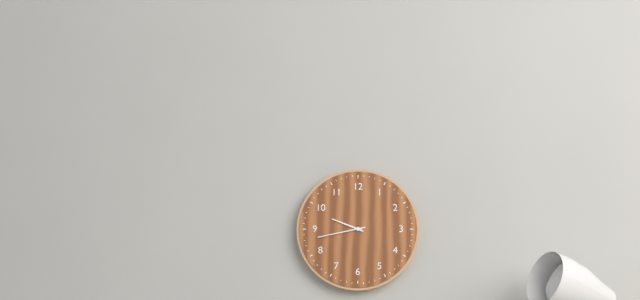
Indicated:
9:43
